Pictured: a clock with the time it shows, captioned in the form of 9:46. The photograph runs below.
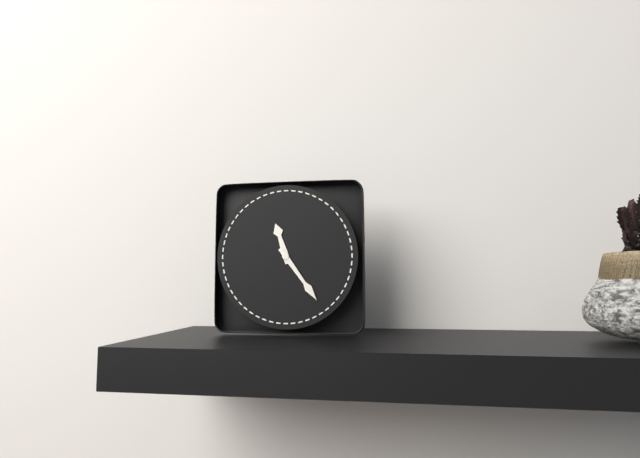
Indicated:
11:24
